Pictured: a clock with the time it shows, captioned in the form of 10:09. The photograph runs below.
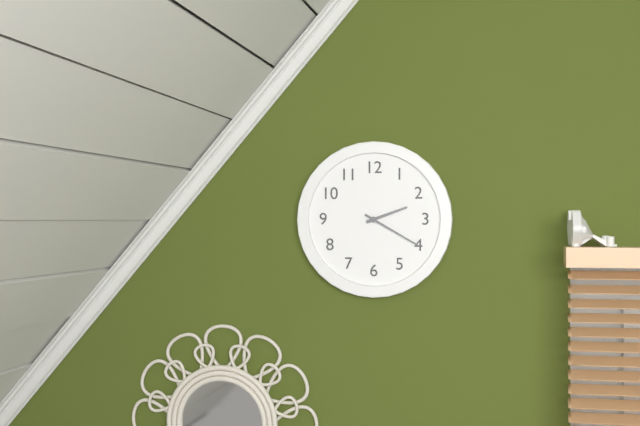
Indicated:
2:20
